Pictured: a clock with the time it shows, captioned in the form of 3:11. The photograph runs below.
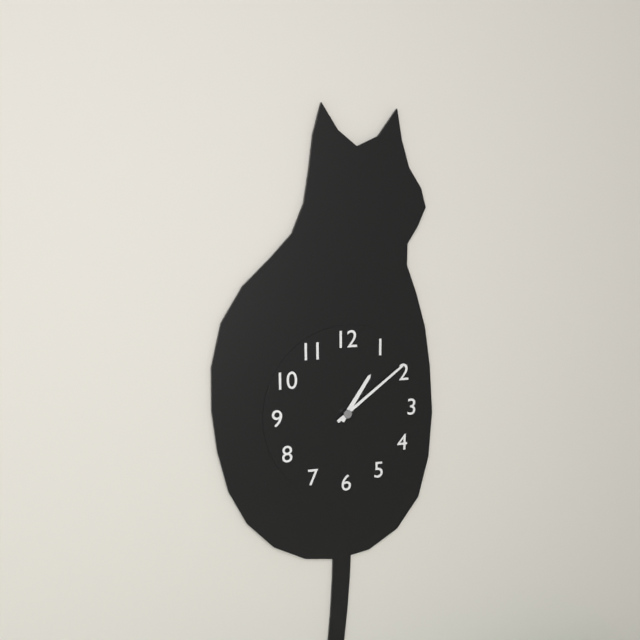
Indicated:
1:09
